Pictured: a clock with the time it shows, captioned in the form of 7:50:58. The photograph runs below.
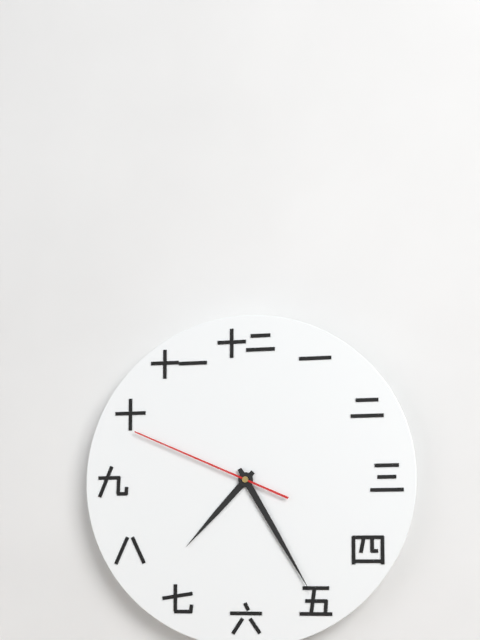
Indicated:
7:25:49
